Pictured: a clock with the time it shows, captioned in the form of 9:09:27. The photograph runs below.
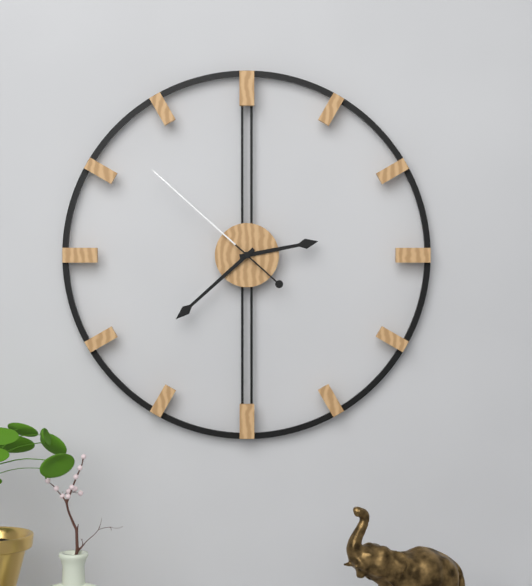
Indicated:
2:38:52
